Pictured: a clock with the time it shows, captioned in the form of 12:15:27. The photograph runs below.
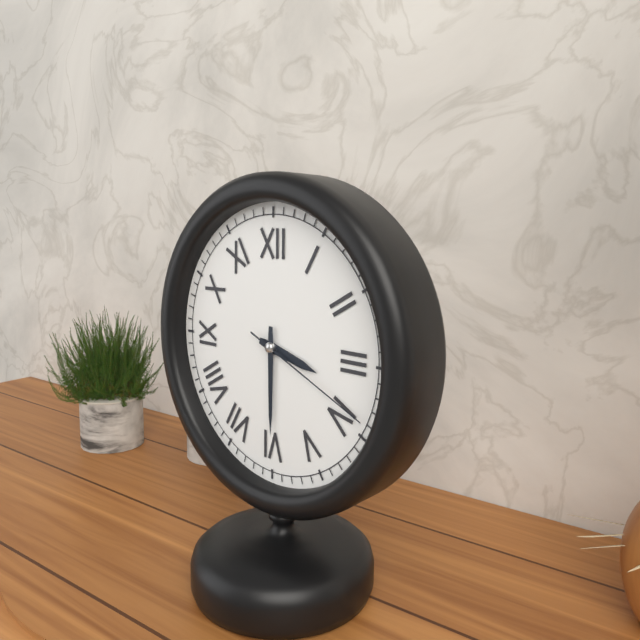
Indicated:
3:30:19
